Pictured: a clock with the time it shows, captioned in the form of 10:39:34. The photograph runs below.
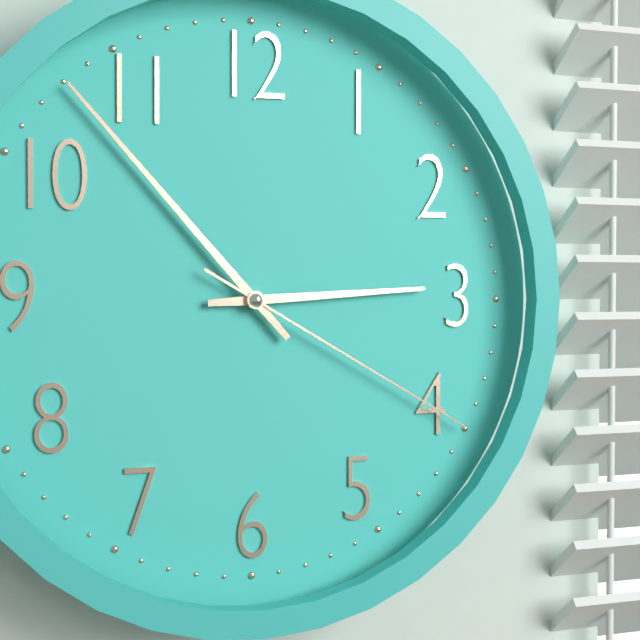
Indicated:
2:53:20
